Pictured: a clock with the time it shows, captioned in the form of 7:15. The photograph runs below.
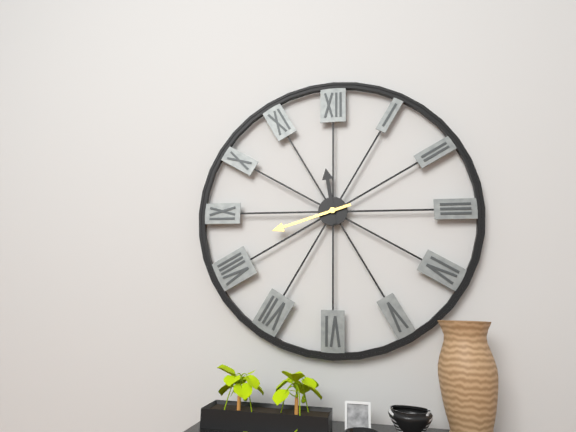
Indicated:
11:42
